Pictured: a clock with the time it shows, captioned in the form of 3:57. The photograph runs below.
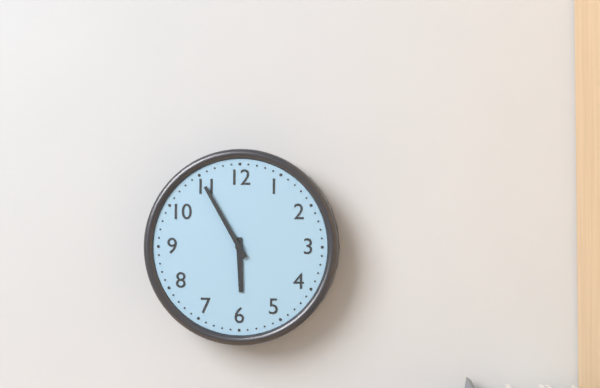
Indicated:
5:55
